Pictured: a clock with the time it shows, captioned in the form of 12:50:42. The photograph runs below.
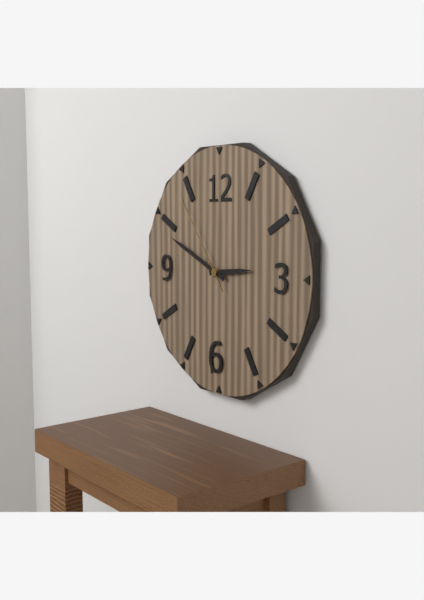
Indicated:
2:49:54
